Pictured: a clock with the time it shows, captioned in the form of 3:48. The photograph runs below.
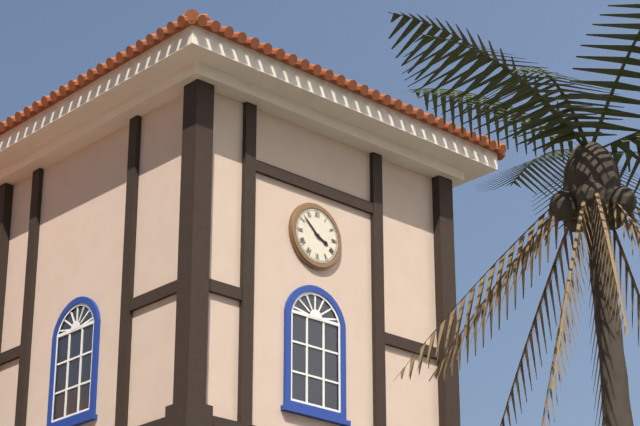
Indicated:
3:52
